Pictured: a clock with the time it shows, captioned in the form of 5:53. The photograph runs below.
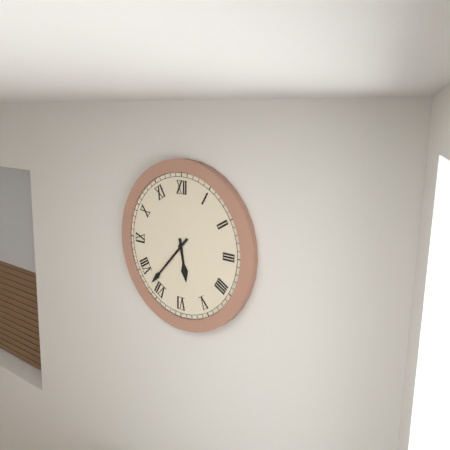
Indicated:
5:37
